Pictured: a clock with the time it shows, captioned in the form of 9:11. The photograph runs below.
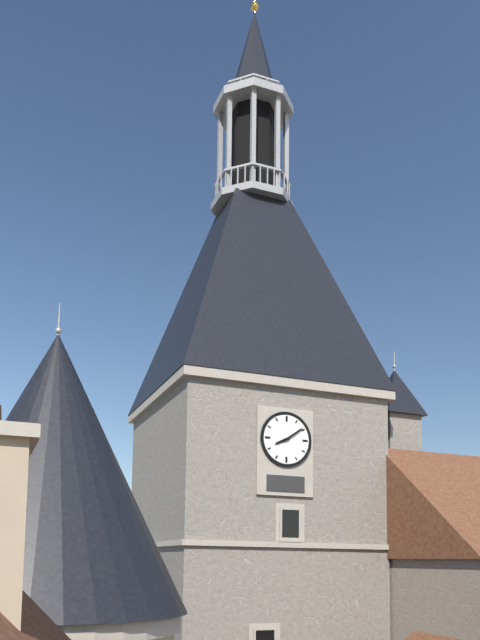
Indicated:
8:09
